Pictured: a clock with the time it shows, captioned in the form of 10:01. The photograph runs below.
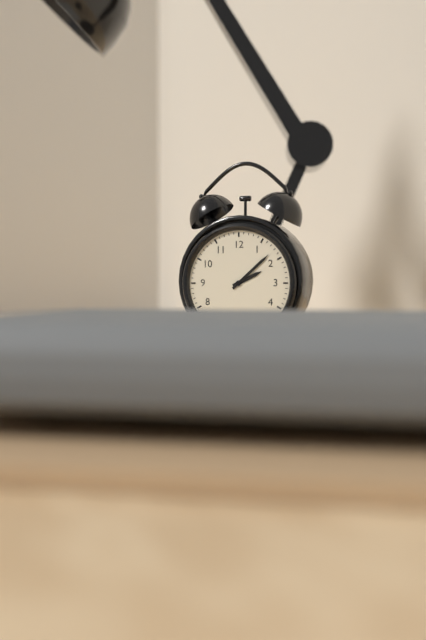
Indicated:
2:08
